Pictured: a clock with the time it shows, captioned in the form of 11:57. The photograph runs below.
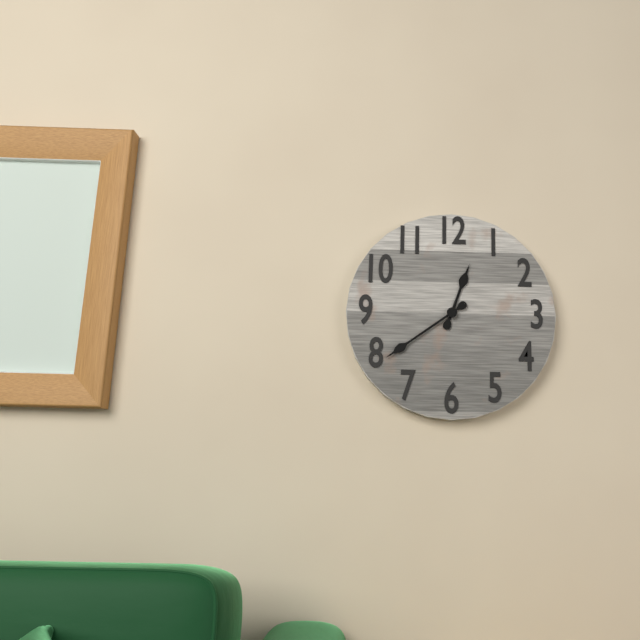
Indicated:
12:39
